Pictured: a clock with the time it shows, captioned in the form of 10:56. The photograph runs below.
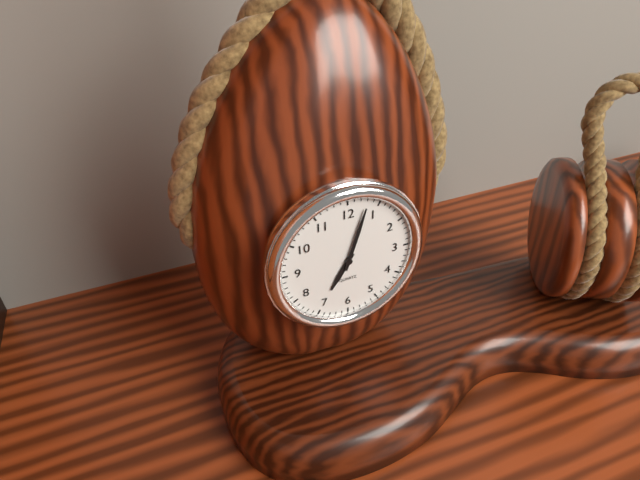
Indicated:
7:03
